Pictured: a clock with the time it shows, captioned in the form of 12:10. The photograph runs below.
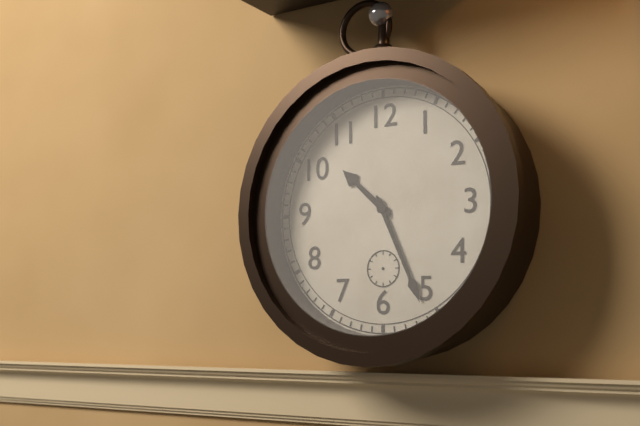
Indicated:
10:26
